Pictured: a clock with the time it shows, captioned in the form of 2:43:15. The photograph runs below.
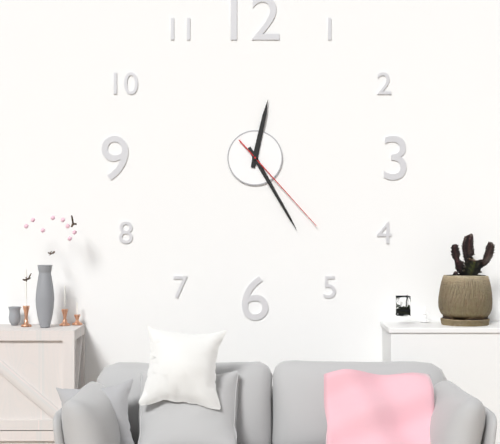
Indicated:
12:25:23
